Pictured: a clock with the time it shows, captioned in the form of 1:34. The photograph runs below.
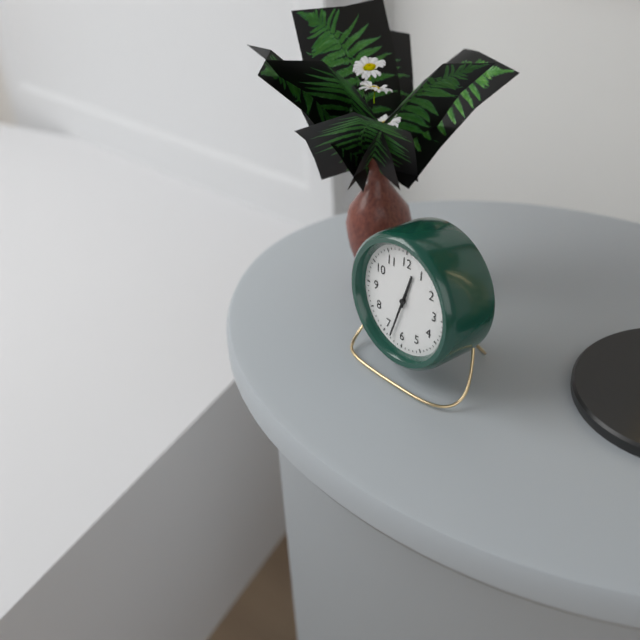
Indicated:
12:33
